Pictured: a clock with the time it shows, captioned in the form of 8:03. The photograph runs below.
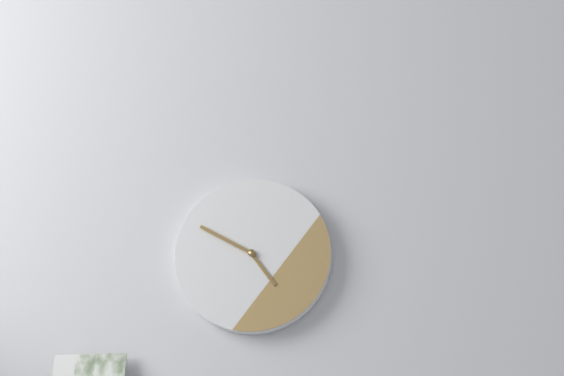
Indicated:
4:50
